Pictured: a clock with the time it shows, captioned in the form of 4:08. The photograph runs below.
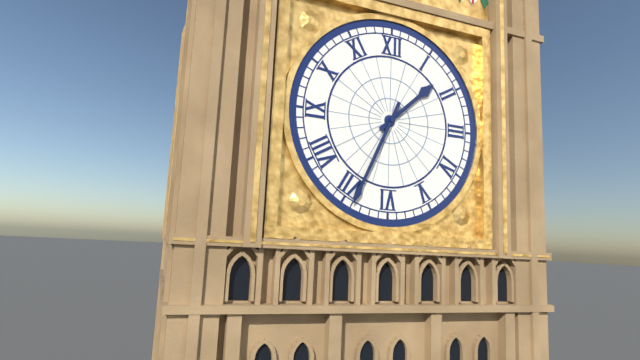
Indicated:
1:34
